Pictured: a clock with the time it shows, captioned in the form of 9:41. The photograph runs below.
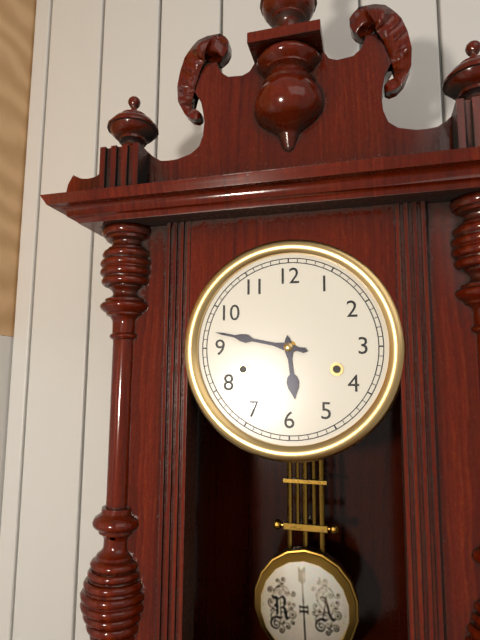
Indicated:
5:47
